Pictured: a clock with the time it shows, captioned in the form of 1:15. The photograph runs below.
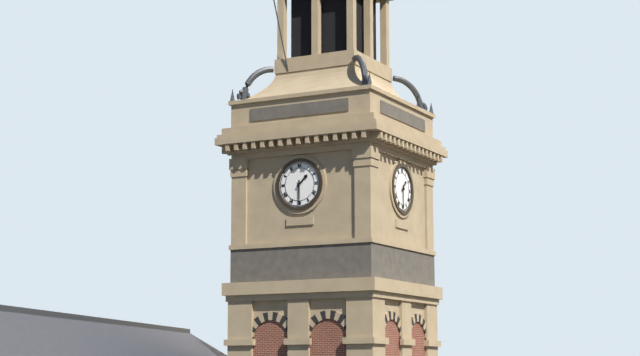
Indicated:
1:30
